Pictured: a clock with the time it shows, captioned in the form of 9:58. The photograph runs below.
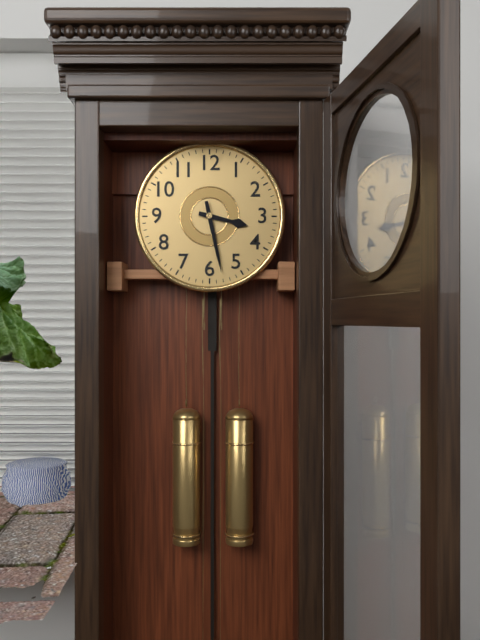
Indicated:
3:28
